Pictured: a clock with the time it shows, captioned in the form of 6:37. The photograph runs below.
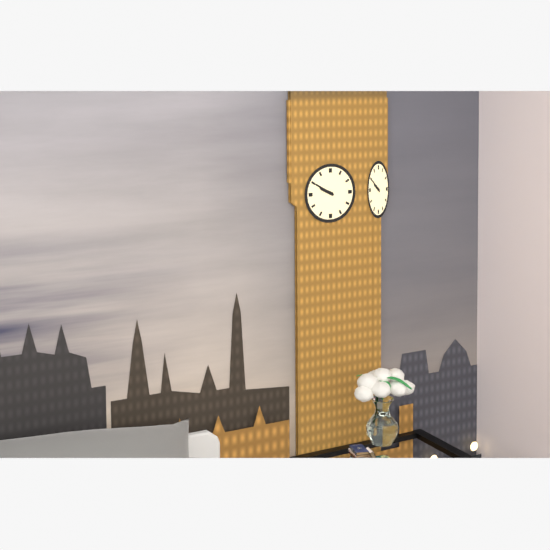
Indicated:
9:50
